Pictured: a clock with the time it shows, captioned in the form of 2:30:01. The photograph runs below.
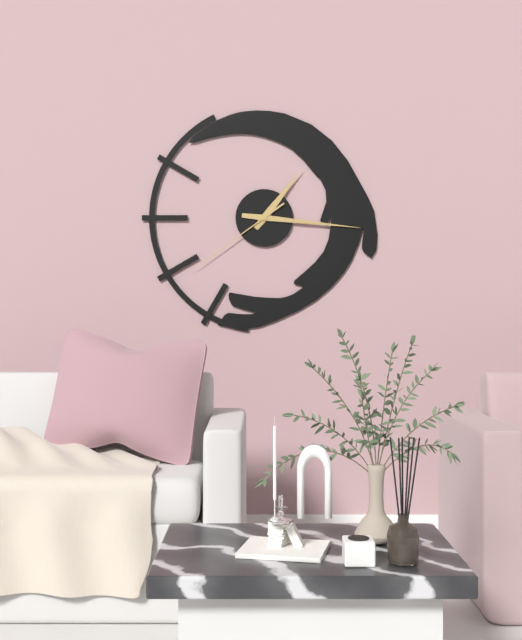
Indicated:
1:16:39
